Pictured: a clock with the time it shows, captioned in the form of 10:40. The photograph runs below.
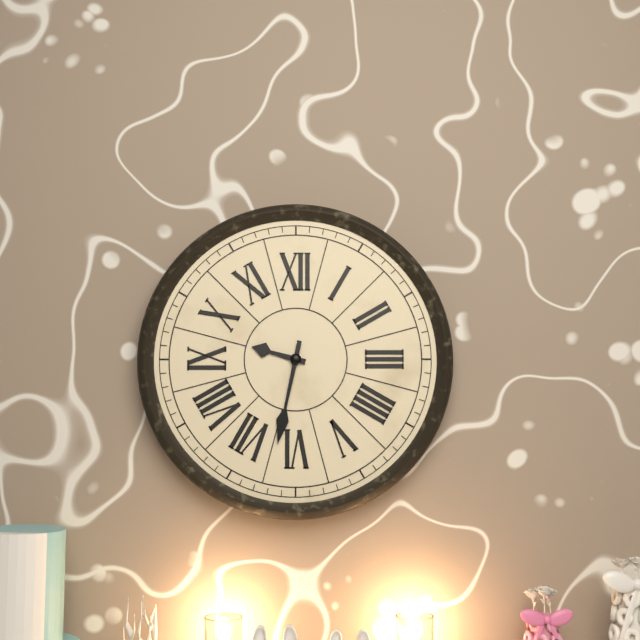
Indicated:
9:32
